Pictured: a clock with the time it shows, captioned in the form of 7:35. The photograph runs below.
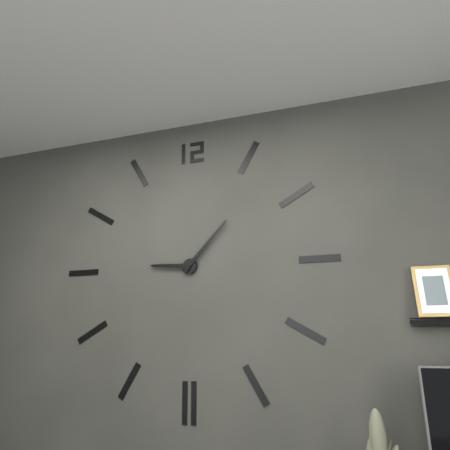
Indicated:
9:07
